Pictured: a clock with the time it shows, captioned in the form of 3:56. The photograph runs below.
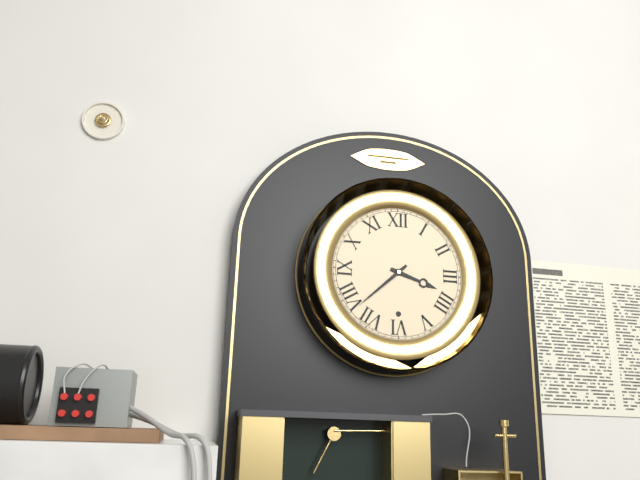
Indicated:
3:38
